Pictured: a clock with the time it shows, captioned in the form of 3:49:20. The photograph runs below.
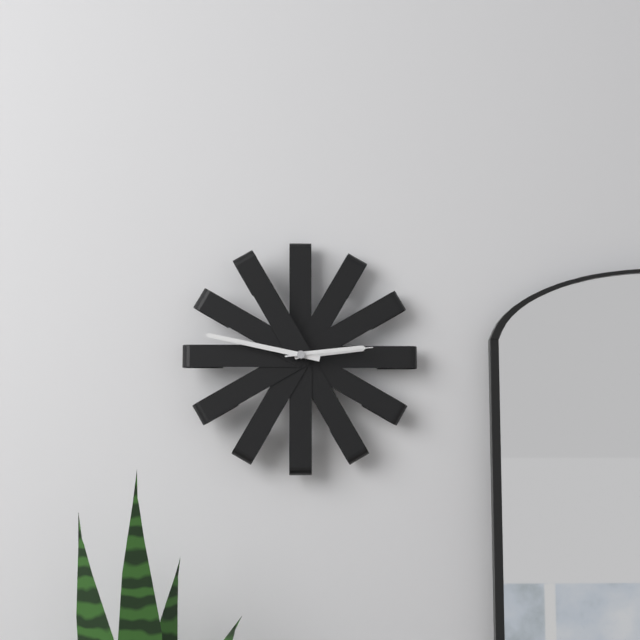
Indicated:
2:47:14
